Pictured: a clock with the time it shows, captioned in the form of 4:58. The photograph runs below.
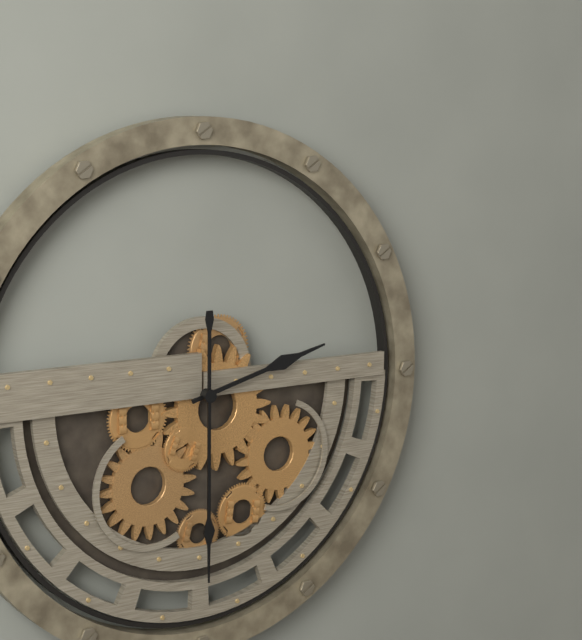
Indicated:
2:30
